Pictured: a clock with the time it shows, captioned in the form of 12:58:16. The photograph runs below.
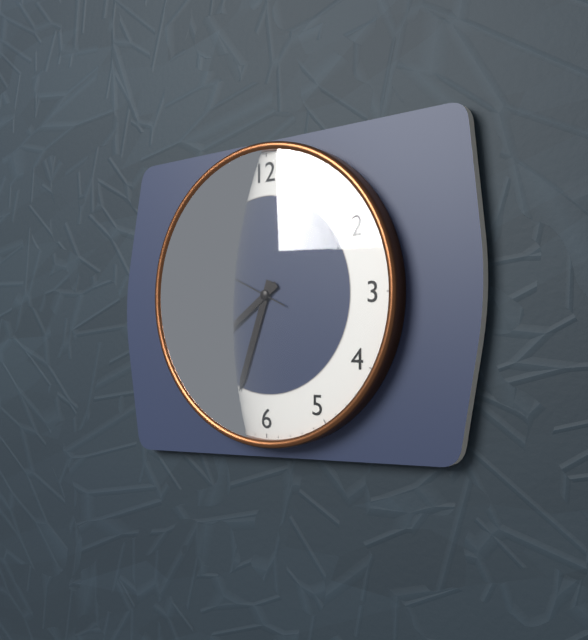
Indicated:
6:39:49
